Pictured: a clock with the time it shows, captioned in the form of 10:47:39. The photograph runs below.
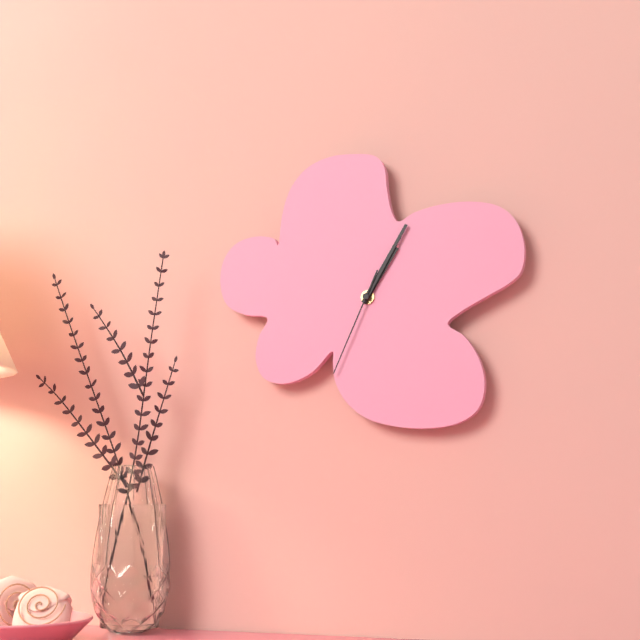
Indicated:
1:05:34
